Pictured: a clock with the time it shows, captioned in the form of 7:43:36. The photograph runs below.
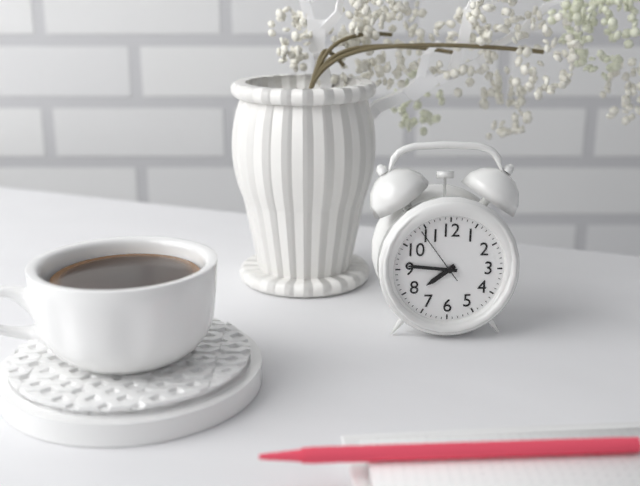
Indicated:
7:46:54
